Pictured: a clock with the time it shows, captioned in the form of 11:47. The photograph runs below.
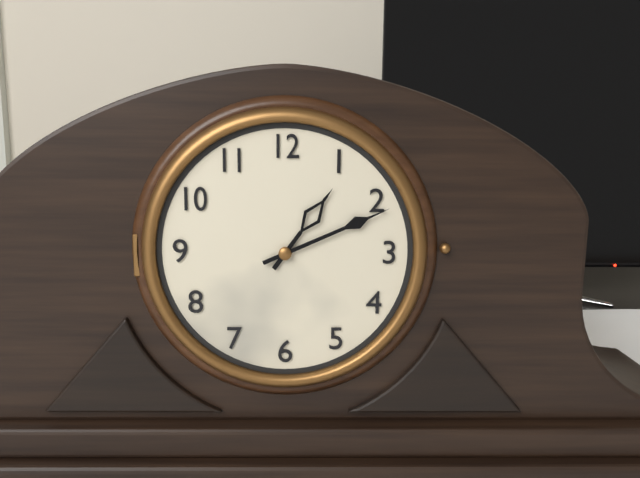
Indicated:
1:11
